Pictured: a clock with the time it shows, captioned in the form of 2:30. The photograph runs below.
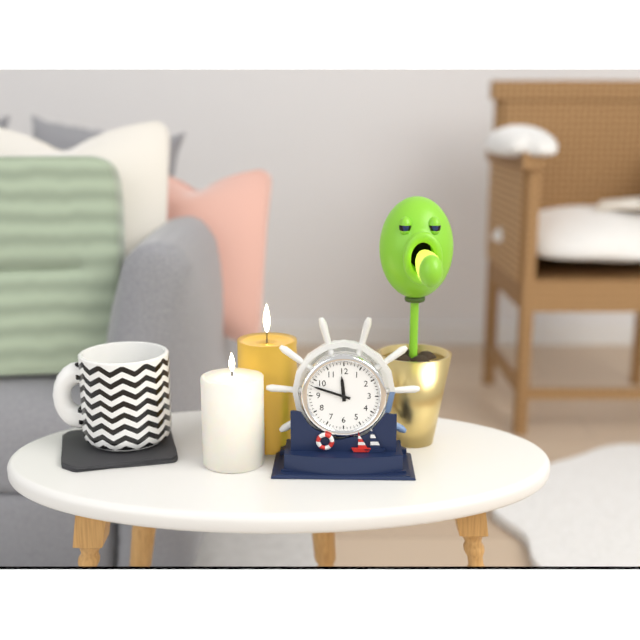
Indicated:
11:48
